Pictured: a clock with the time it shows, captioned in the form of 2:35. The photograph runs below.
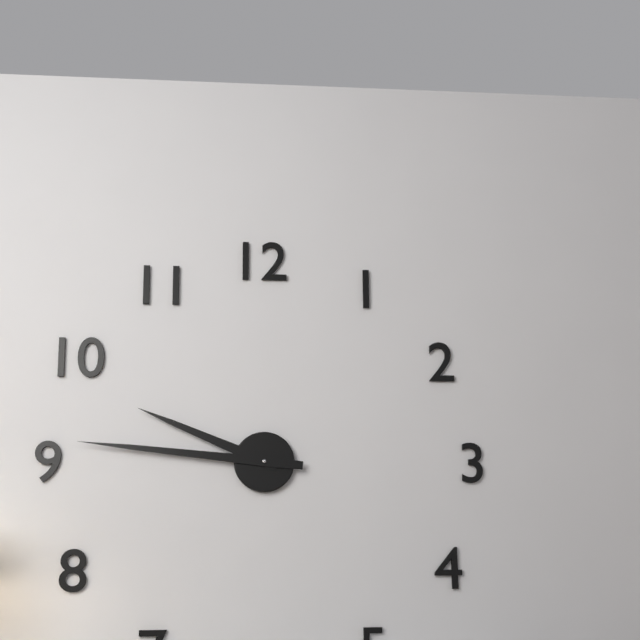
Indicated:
9:46
